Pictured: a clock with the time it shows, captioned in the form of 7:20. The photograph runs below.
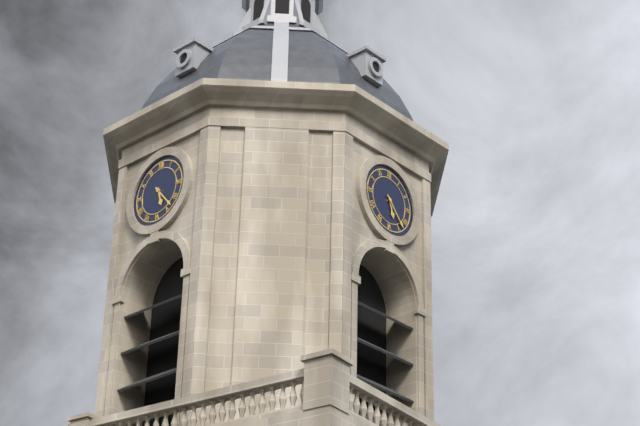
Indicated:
5:23
